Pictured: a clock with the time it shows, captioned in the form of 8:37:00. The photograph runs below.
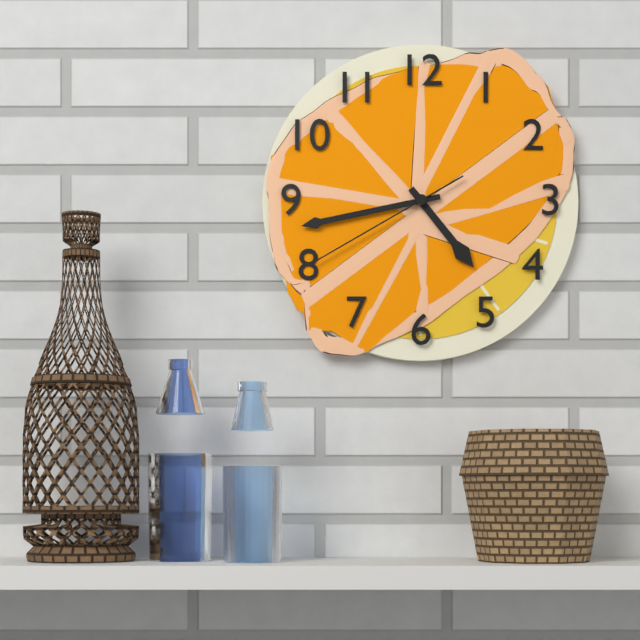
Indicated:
4:43:40
